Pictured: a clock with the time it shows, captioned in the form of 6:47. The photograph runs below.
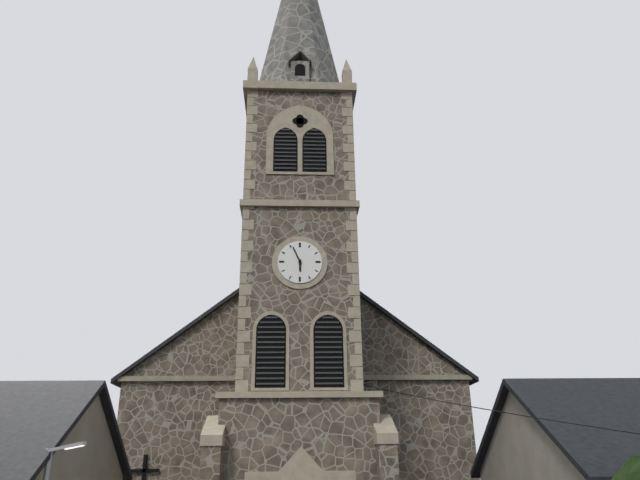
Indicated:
5:56
